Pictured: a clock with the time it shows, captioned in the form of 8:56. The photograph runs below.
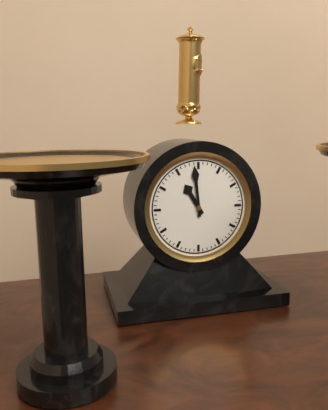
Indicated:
10:59
